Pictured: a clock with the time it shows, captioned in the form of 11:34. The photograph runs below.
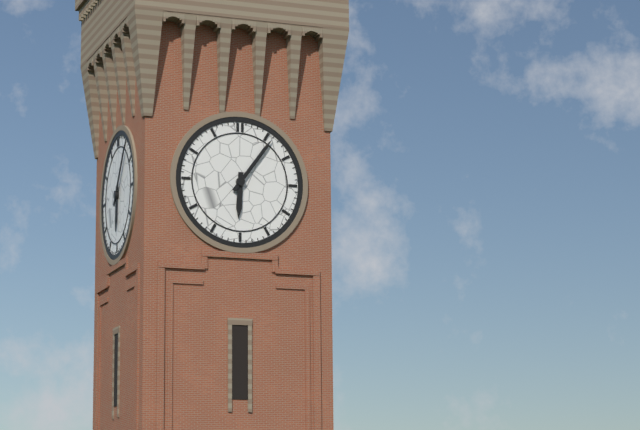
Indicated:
6:06
